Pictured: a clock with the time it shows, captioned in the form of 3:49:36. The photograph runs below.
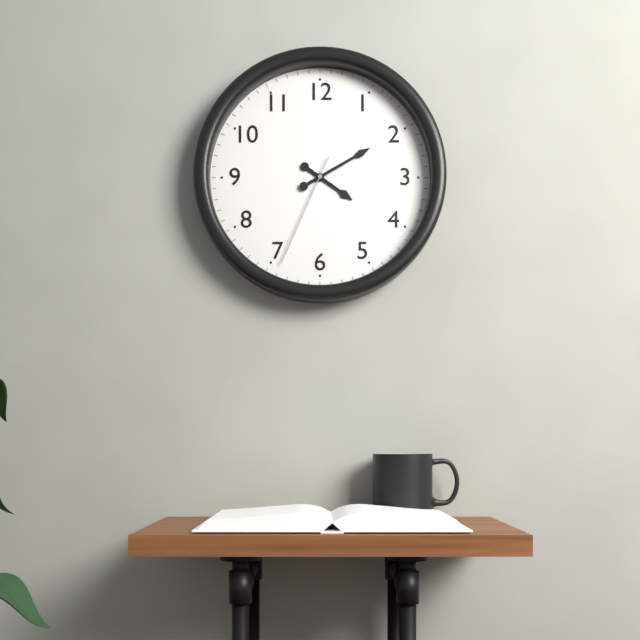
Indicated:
4:10:34
